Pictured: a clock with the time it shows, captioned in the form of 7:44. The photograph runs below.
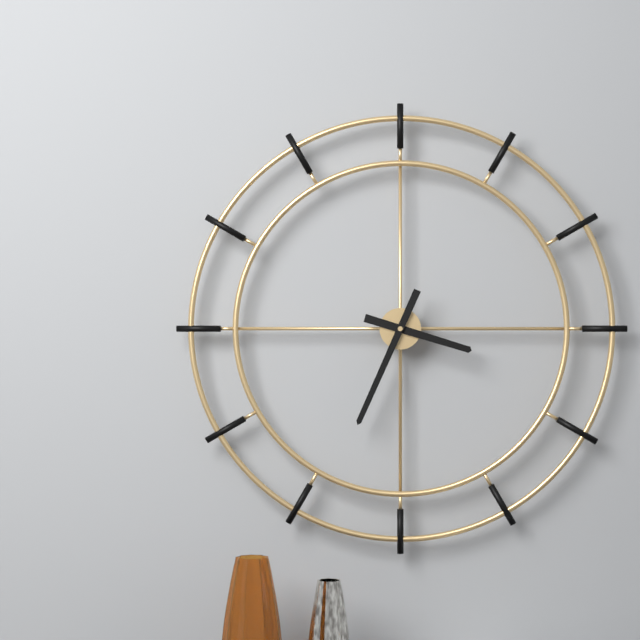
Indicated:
3:34
